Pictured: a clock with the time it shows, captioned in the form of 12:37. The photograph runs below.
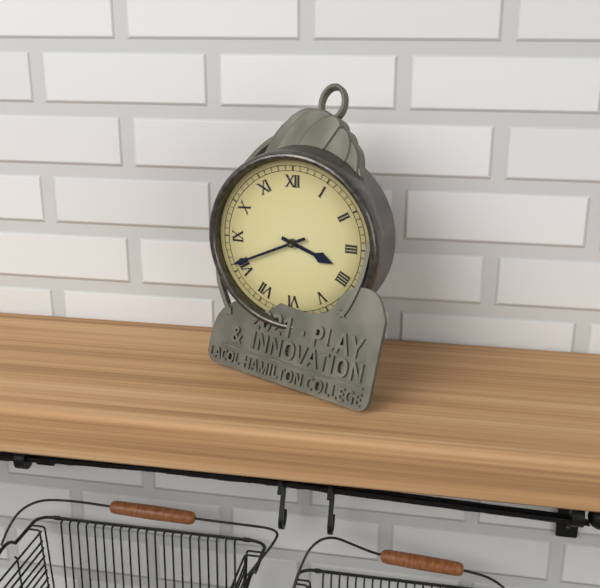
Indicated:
3:41
